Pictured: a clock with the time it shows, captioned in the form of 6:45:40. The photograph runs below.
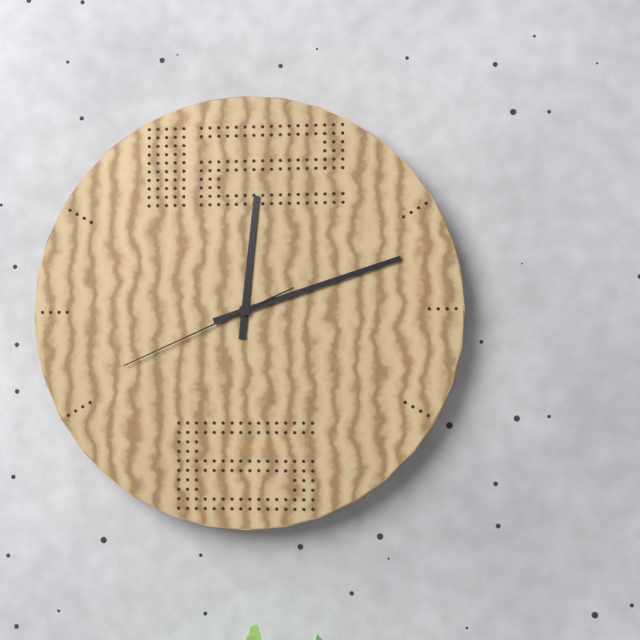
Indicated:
12:12:41
